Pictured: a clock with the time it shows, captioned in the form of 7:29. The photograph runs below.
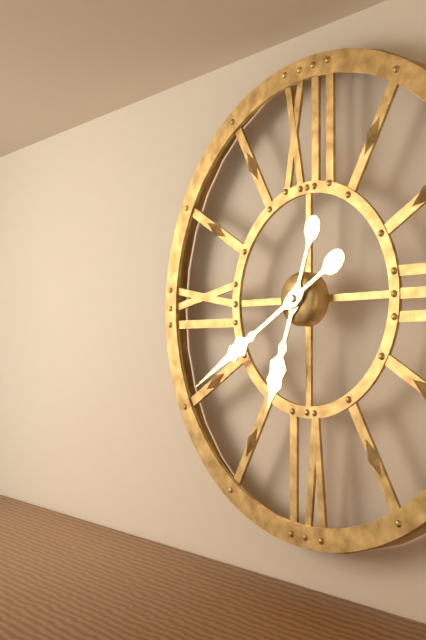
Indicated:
6:40
